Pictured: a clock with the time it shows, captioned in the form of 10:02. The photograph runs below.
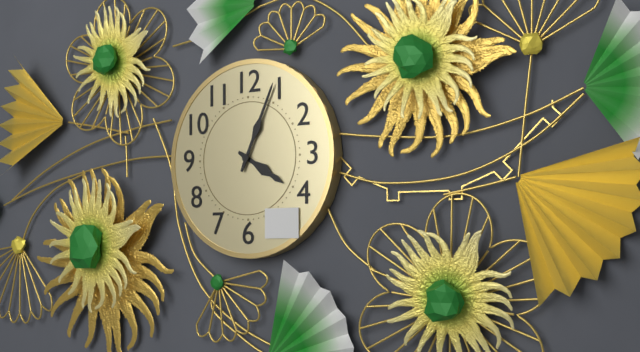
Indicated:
4:04
